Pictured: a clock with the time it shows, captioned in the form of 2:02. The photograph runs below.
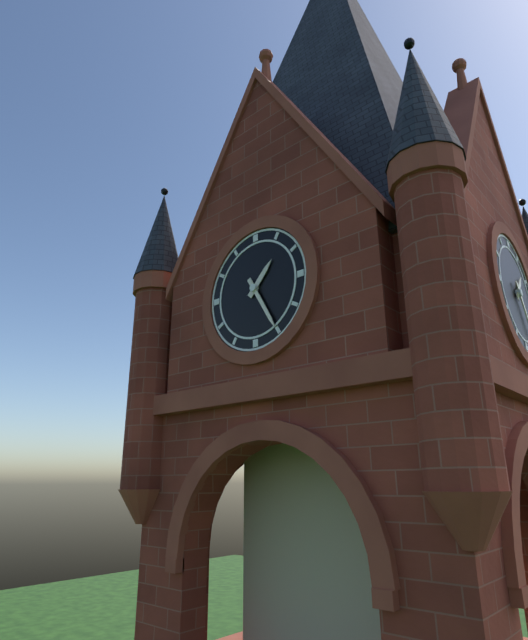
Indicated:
1:25
